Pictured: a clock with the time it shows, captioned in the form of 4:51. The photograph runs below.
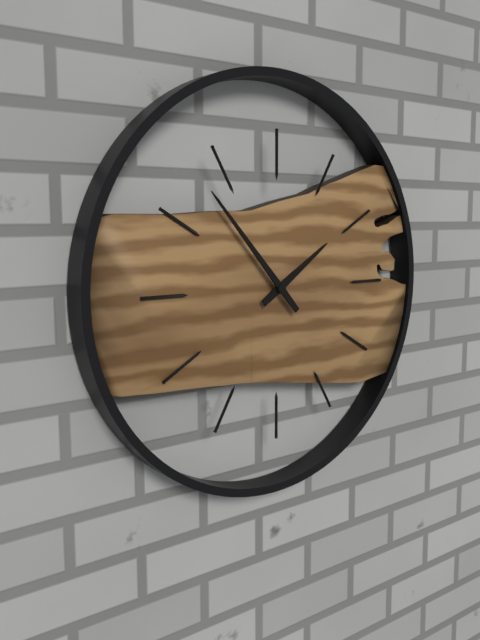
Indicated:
1:53
